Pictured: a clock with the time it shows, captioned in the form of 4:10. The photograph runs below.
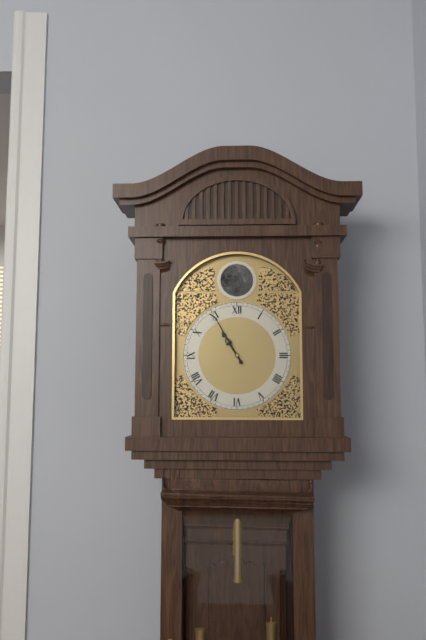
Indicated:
10:55
